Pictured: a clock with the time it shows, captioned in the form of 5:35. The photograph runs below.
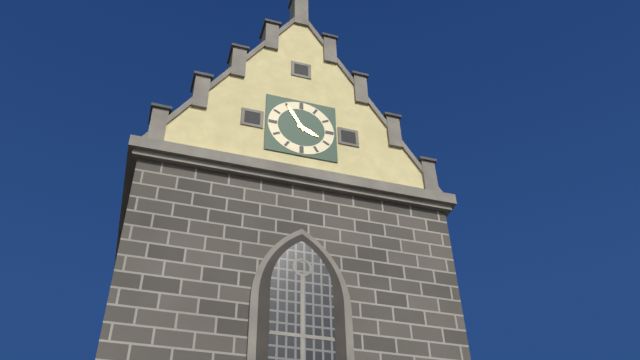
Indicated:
3:55
